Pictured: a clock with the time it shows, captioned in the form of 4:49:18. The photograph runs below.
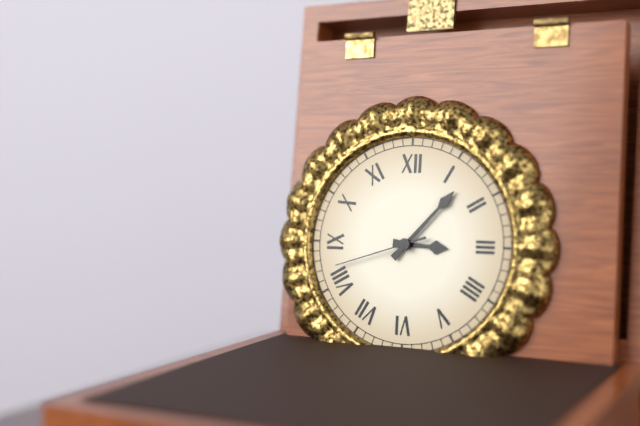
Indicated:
3:07:42
